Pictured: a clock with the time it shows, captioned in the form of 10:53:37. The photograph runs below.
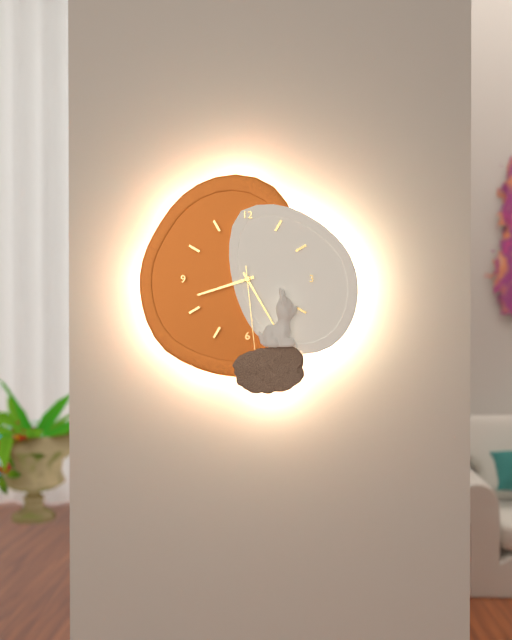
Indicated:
8:25:29
